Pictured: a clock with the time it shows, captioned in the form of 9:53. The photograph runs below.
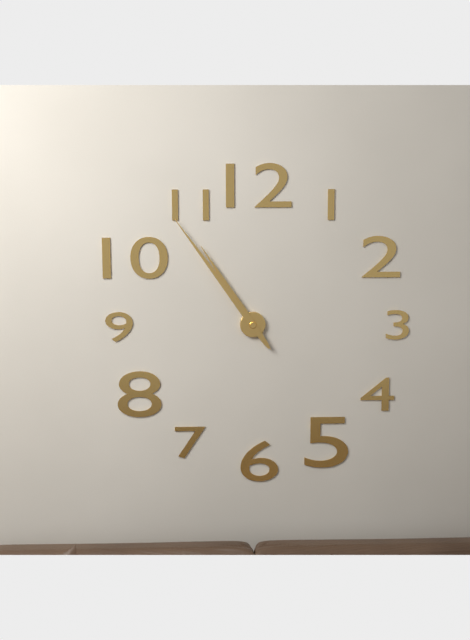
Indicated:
10:54
